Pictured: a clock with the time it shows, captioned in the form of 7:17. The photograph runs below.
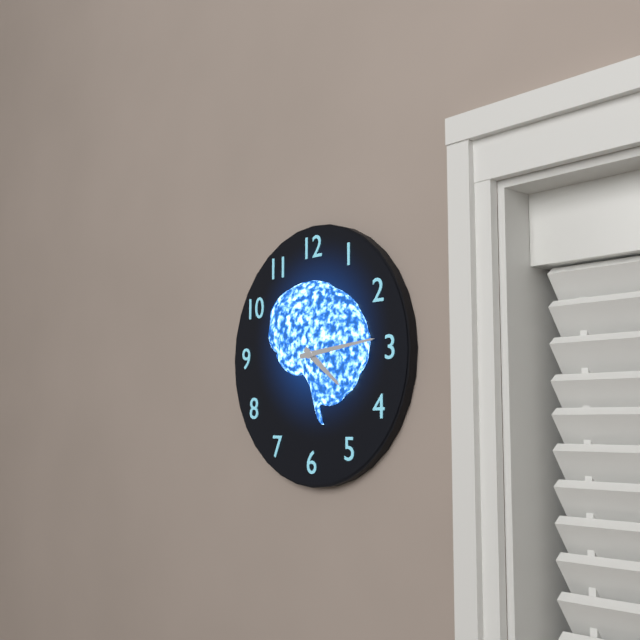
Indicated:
4:14
